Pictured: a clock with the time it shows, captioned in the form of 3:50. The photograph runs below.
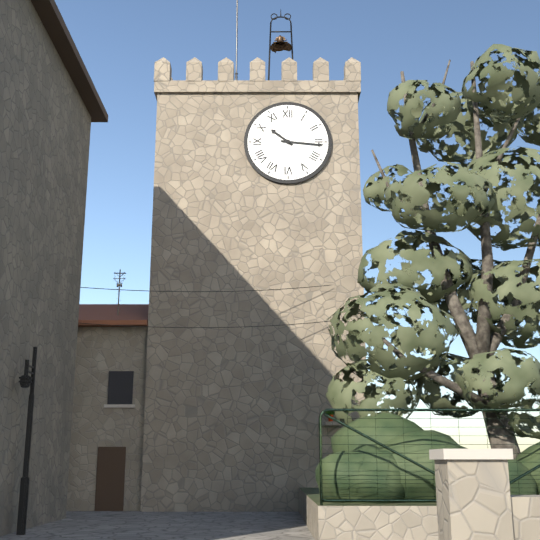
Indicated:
10:16
